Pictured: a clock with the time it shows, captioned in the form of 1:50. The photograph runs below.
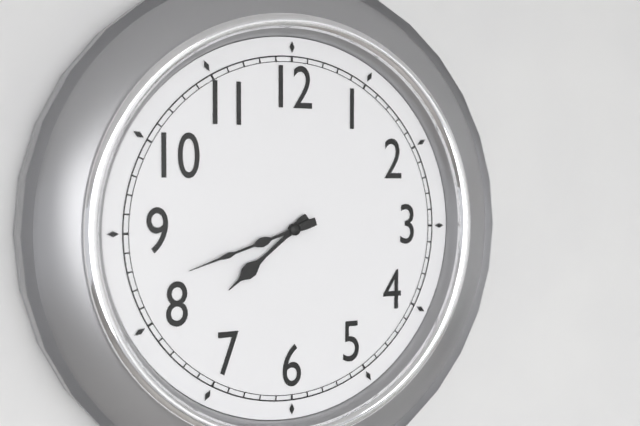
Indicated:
7:42
